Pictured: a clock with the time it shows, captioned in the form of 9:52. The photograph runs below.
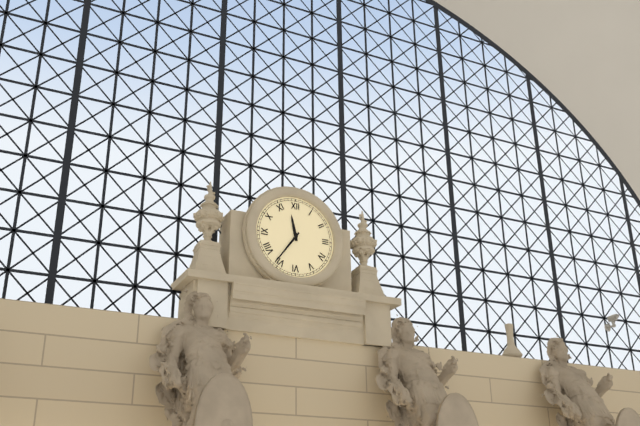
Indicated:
11:36
